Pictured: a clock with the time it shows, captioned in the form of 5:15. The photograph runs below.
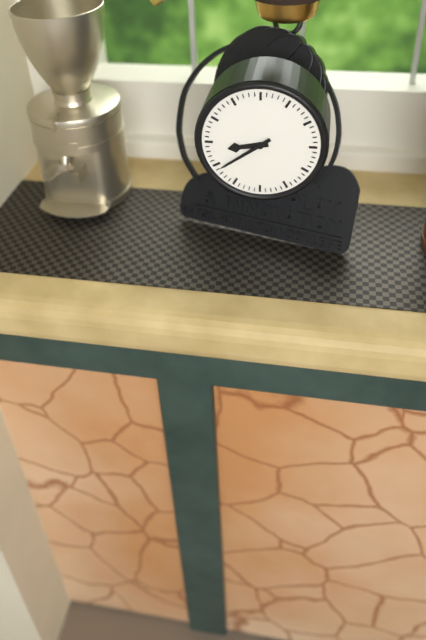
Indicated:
8:39
